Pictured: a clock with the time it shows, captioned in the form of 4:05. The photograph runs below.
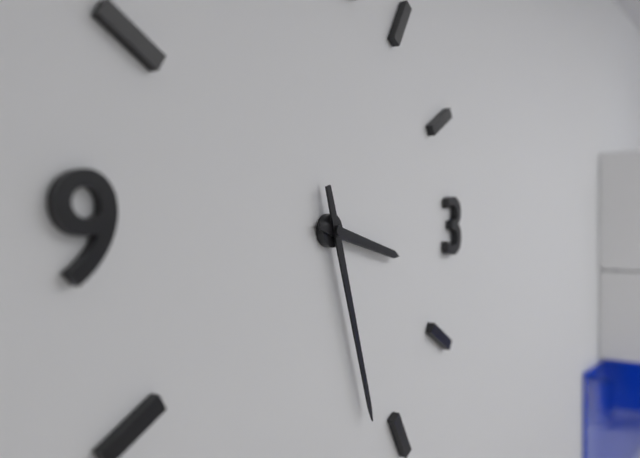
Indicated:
3:27
